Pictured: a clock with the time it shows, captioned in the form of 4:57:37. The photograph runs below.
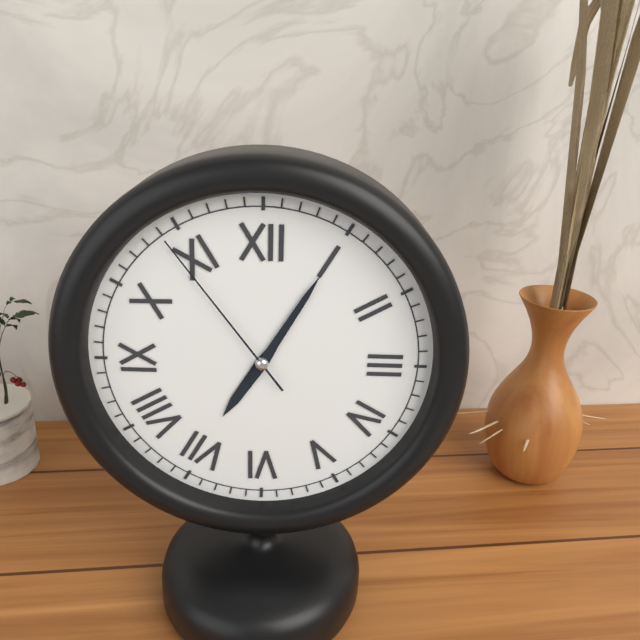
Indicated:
7:05:54
